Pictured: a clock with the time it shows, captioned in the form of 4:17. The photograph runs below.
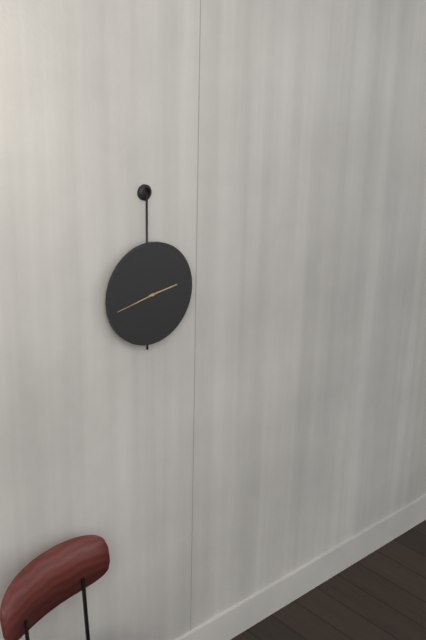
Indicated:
2:43
